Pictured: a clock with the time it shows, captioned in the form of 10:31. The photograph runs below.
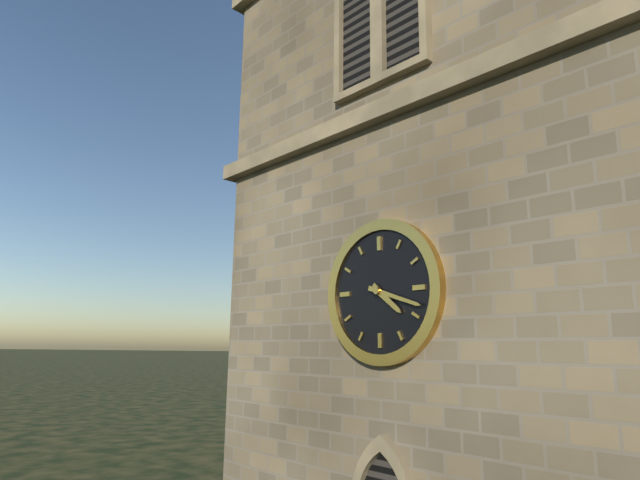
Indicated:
4:18
